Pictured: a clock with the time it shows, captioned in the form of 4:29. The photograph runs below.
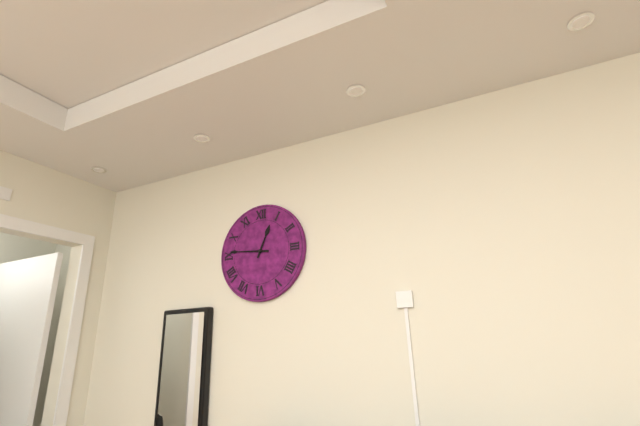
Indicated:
12:46
